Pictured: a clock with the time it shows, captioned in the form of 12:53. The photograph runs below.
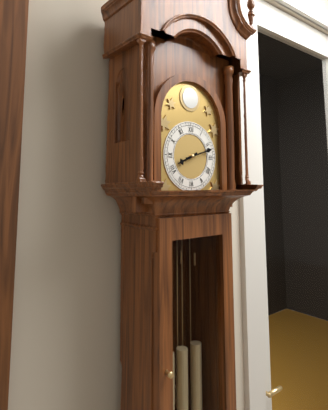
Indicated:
8:12
